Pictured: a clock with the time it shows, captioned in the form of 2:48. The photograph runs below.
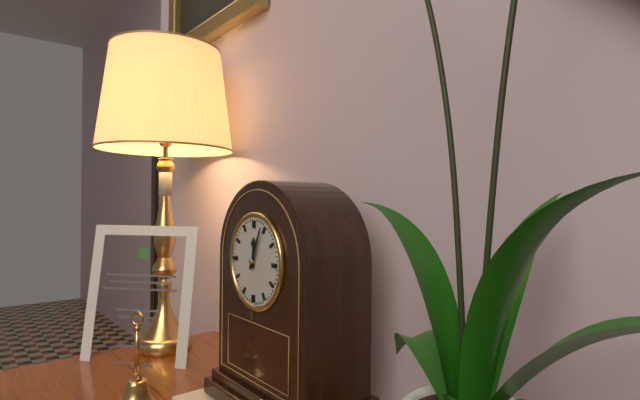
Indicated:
12:04
